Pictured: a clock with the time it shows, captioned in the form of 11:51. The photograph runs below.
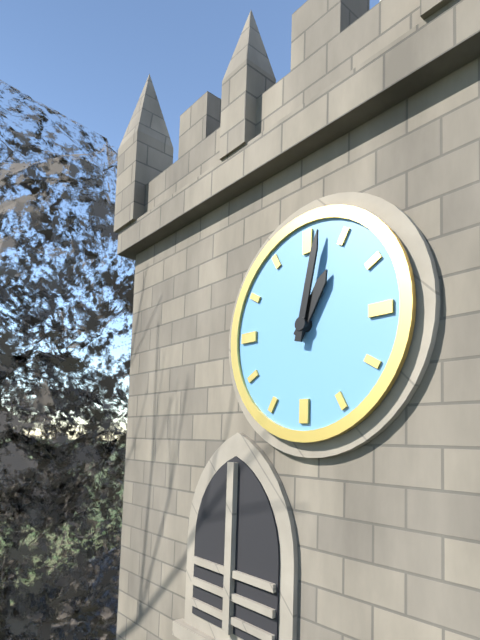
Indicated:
1:02
